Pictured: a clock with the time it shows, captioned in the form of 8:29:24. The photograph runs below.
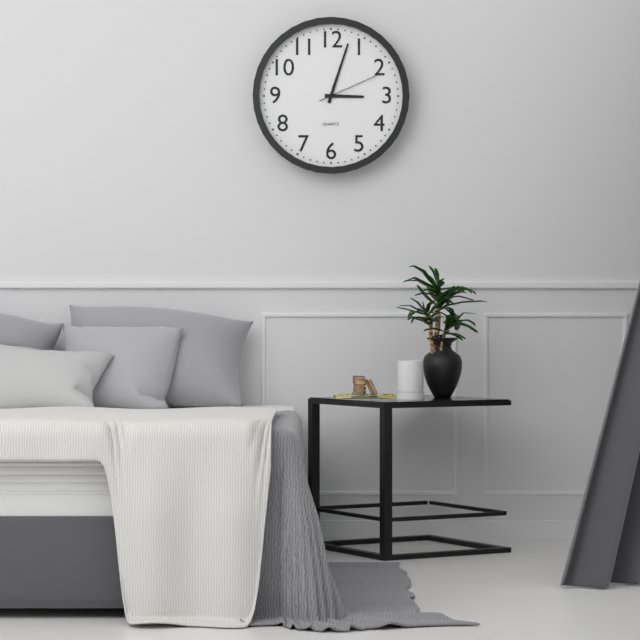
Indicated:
3:03:11
